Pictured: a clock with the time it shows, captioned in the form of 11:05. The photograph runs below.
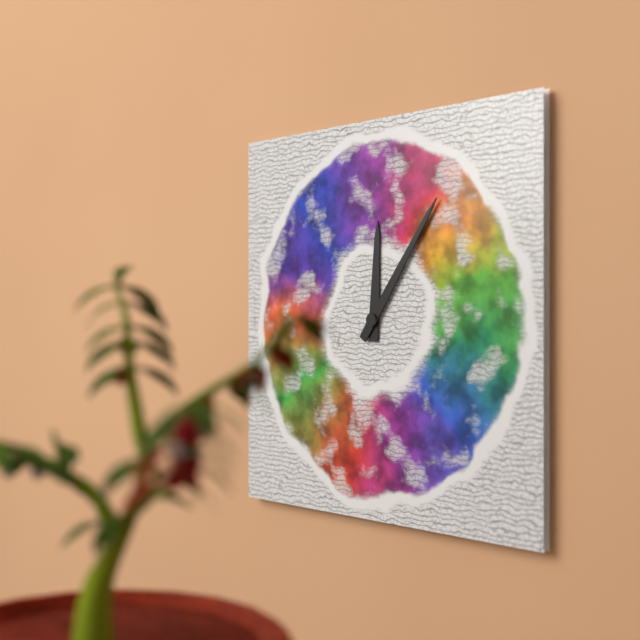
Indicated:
12:06
